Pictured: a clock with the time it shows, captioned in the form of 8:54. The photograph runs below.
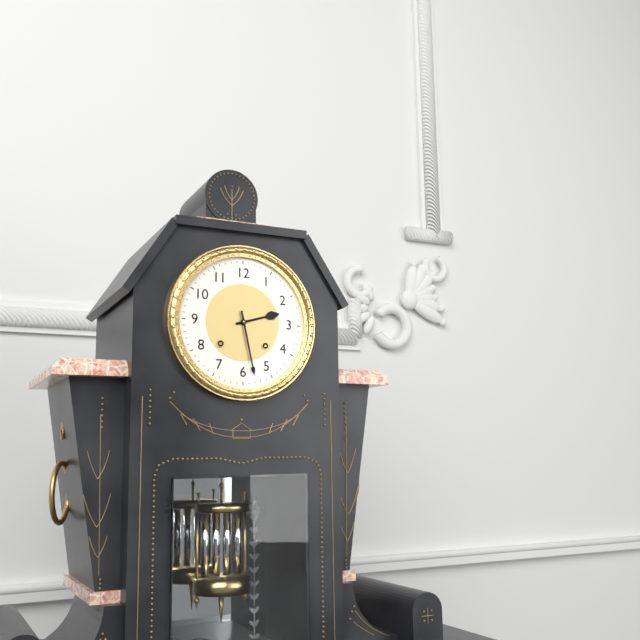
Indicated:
2:28
